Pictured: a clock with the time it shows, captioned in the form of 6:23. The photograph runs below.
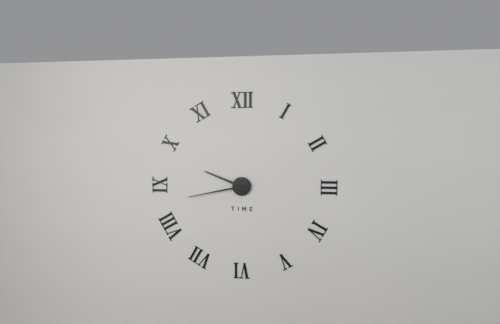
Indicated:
9:43
